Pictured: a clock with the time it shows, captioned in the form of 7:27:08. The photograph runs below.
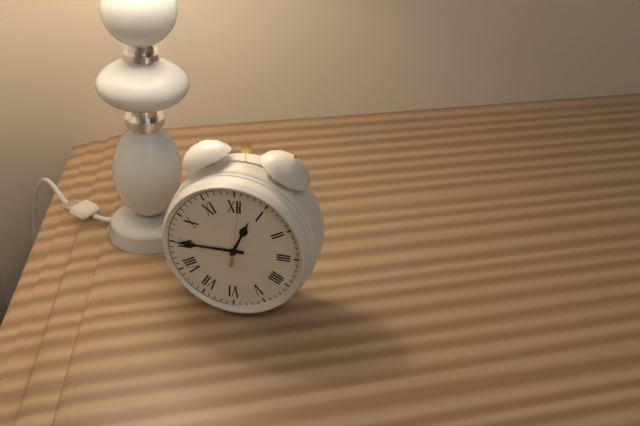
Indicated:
12:45:01
